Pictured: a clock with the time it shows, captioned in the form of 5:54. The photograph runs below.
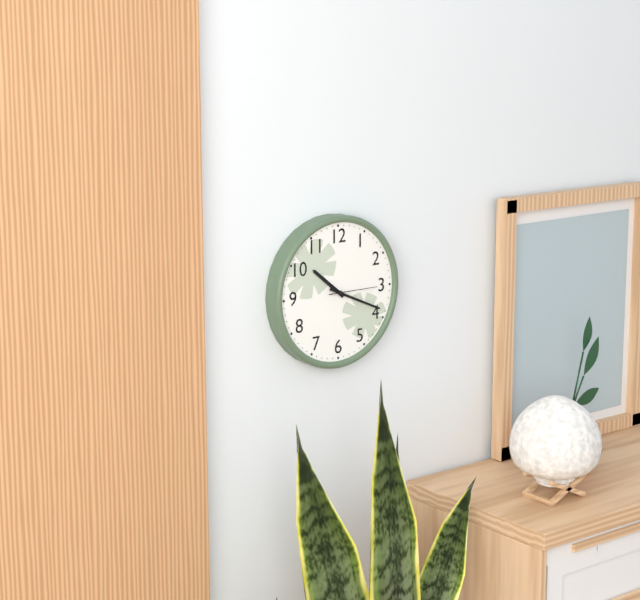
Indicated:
10:19
